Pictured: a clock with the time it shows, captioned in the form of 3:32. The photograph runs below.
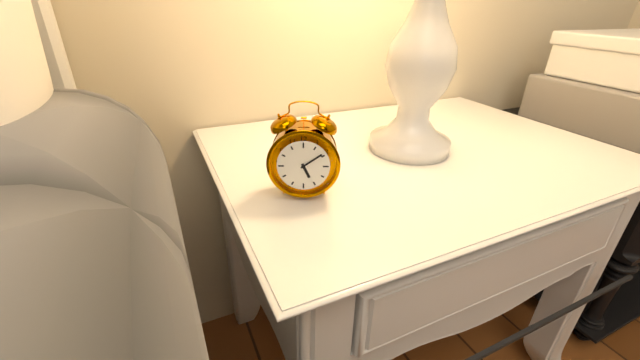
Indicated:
5:09
